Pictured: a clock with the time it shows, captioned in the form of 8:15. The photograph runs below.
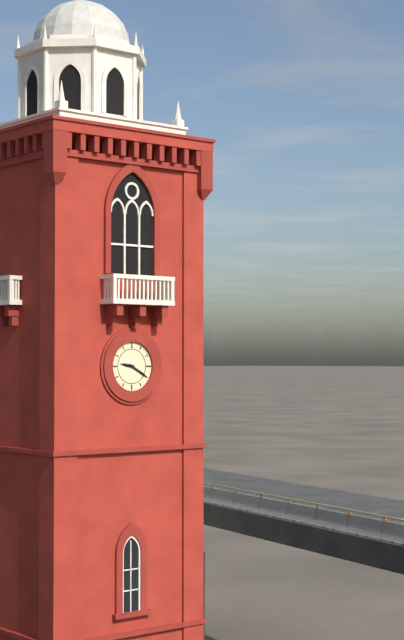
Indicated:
9:20
